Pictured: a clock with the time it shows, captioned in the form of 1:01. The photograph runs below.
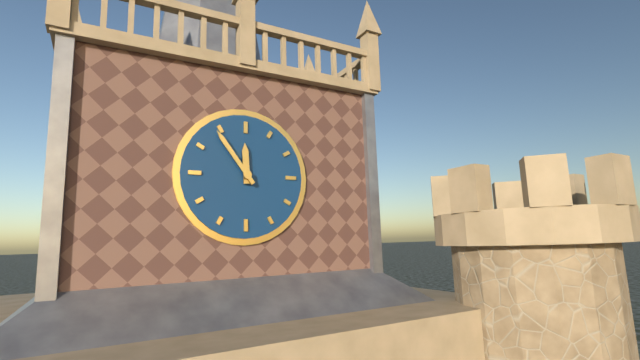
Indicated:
11:54
